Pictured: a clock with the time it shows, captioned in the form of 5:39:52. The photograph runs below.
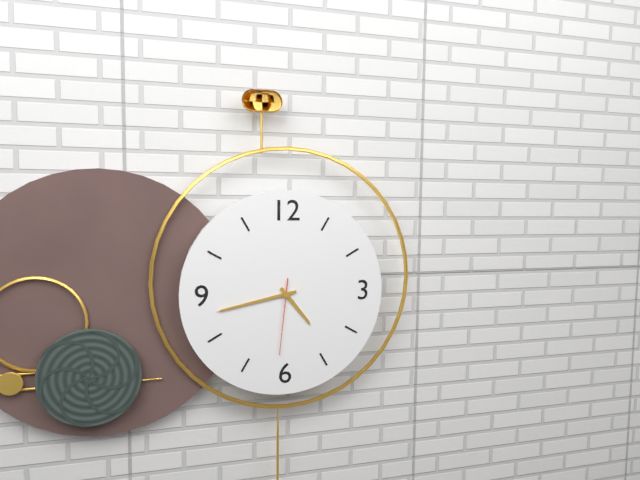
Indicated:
4:43:31
